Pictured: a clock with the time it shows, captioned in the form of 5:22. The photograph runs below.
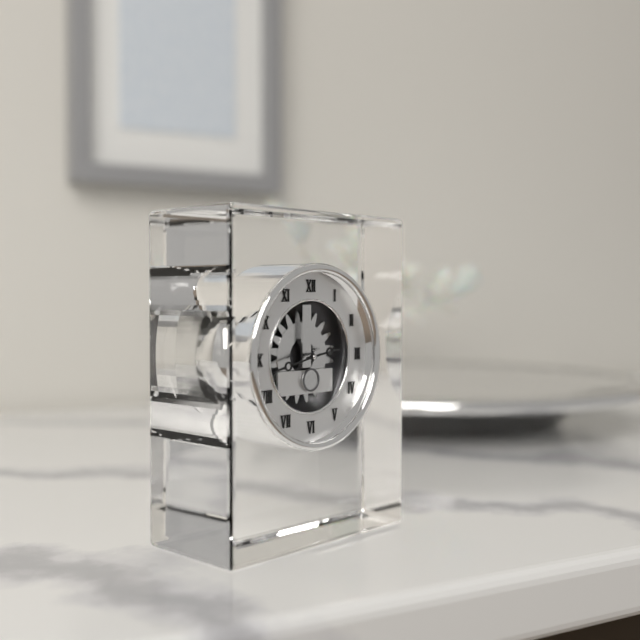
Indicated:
2:43
